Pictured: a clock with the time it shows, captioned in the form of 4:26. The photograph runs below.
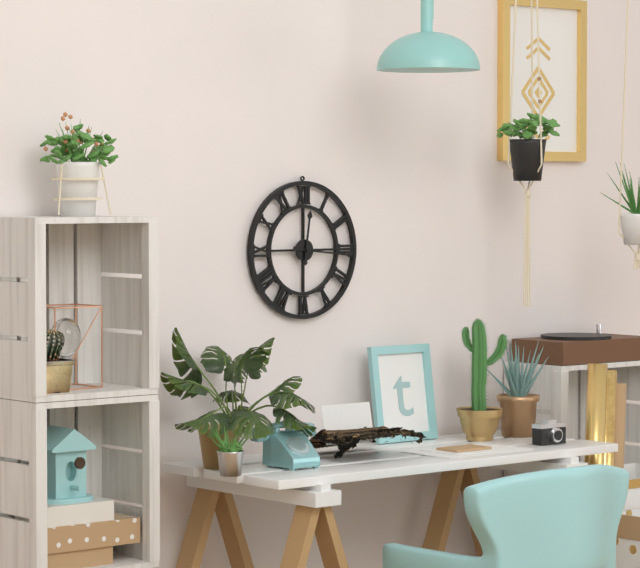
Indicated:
12:16
